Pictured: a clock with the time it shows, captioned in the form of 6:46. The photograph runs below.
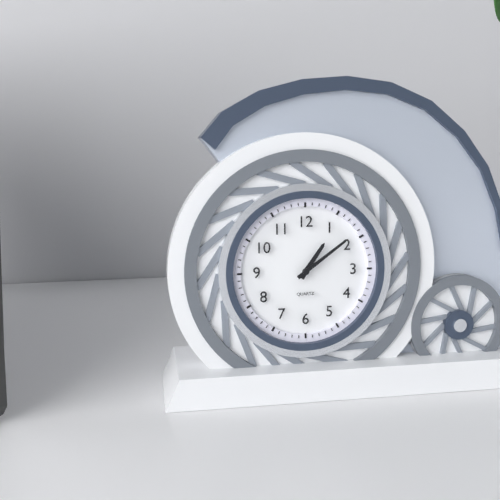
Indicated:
1:09
